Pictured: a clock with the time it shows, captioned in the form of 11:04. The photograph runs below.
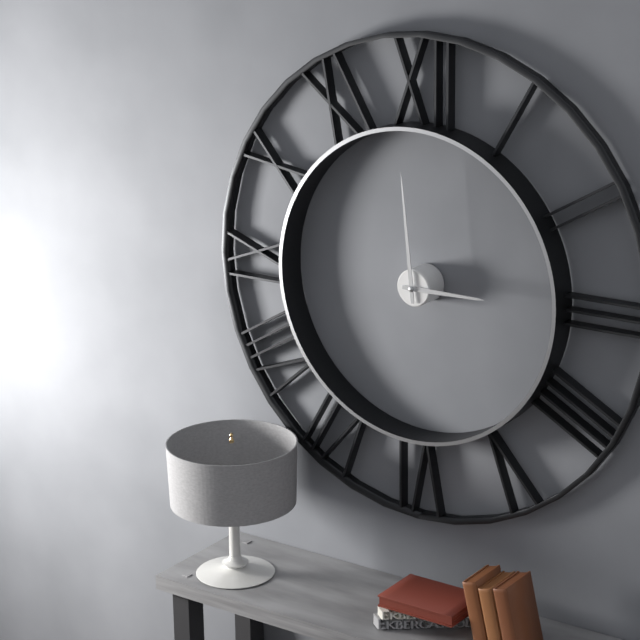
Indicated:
2:59
